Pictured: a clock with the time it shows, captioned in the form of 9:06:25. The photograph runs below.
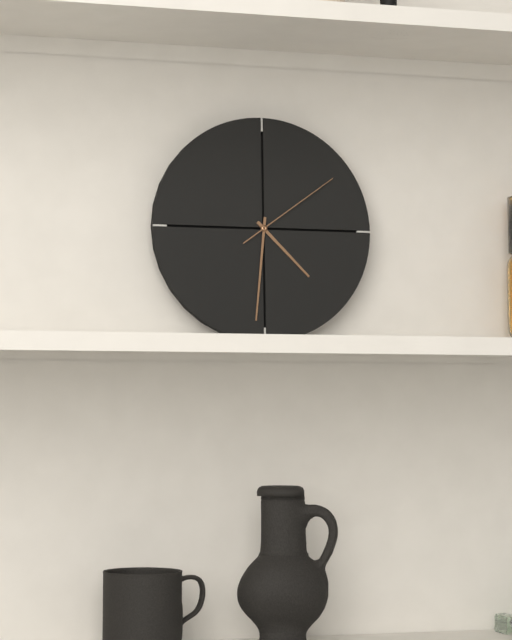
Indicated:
4:31:09
